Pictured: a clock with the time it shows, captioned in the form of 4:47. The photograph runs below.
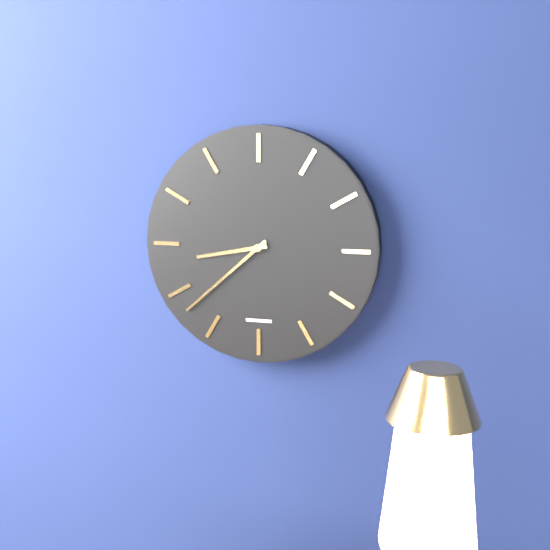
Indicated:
8:38
